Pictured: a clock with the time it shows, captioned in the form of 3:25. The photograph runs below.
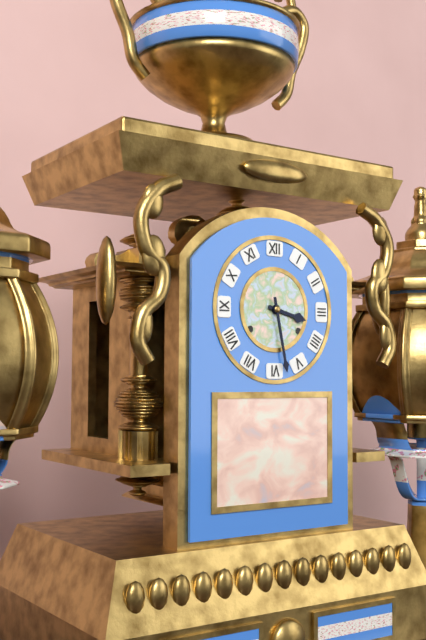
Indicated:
3:28
